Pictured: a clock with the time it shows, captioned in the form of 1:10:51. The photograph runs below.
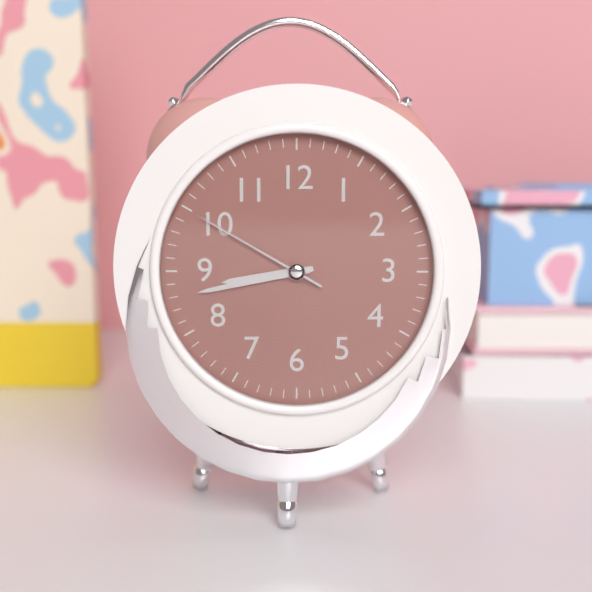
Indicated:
8:43:50
